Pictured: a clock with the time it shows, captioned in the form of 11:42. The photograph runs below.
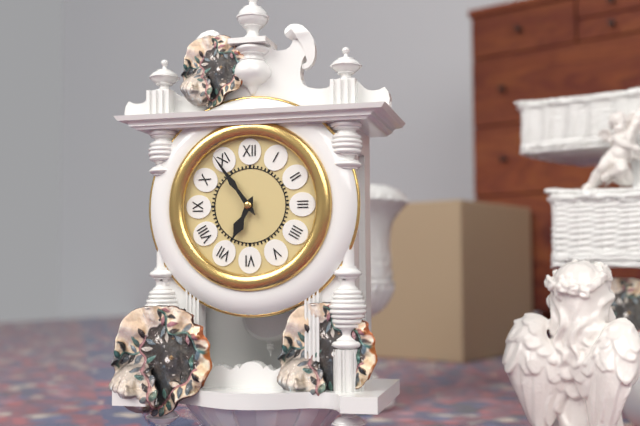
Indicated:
6:54
